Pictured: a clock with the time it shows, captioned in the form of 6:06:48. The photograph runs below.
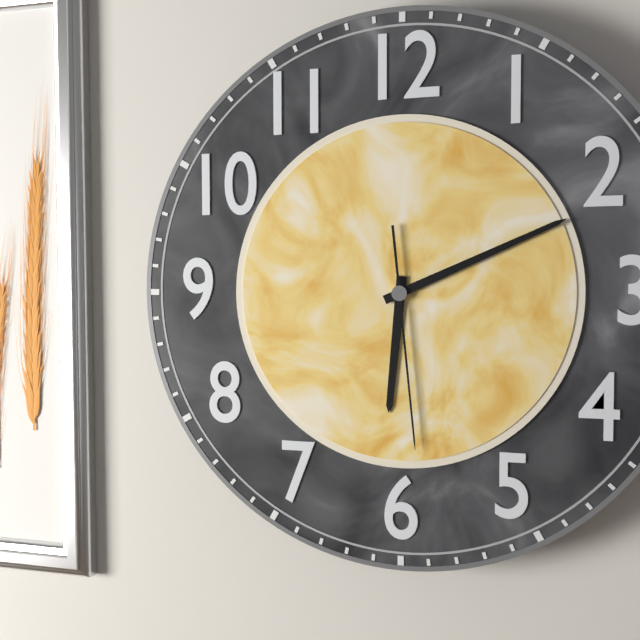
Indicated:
6:11:29
